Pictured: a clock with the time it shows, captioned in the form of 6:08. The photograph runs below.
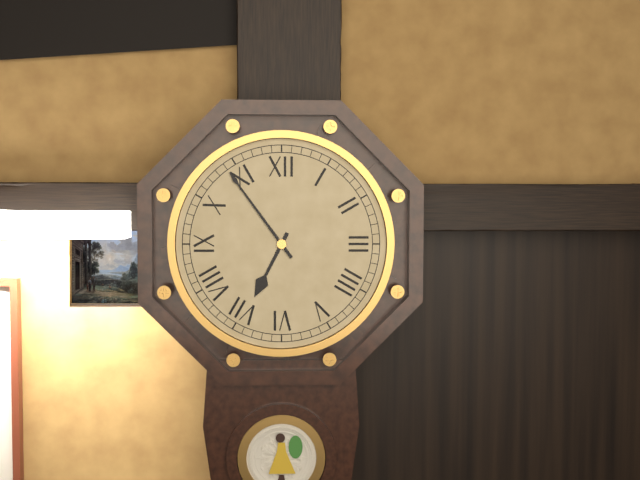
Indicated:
6:54
